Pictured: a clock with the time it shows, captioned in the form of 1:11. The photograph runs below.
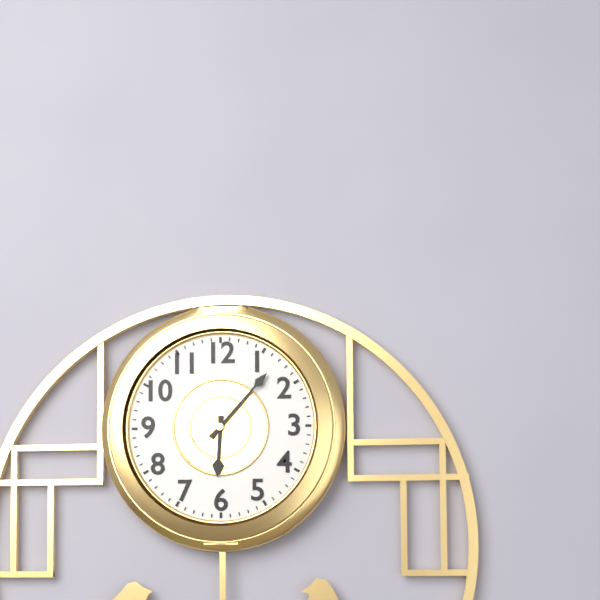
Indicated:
6:07
